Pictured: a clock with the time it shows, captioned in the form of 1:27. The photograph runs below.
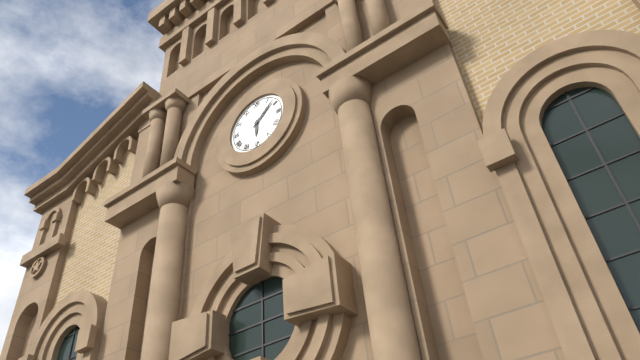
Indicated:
6:08
